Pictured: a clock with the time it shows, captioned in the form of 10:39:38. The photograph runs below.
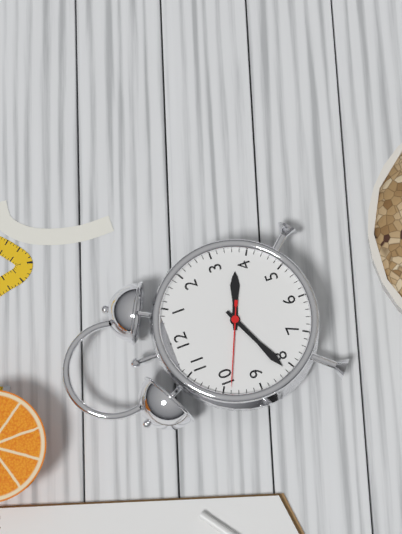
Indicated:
3:41:49
